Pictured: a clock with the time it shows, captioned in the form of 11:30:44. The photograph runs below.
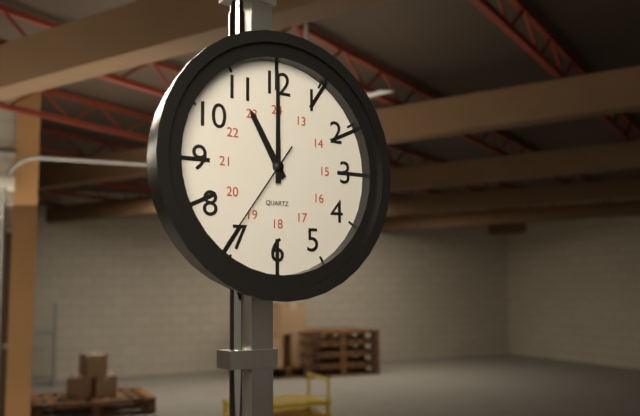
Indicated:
11:00:36
